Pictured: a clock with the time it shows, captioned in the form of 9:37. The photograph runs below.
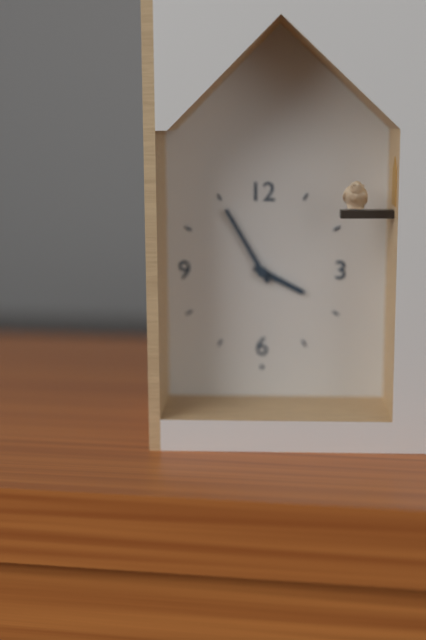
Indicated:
3:55
